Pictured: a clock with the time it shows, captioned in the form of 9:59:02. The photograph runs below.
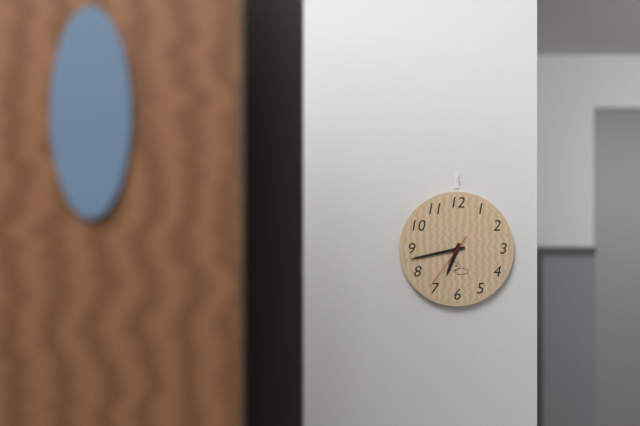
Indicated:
6:43:36
